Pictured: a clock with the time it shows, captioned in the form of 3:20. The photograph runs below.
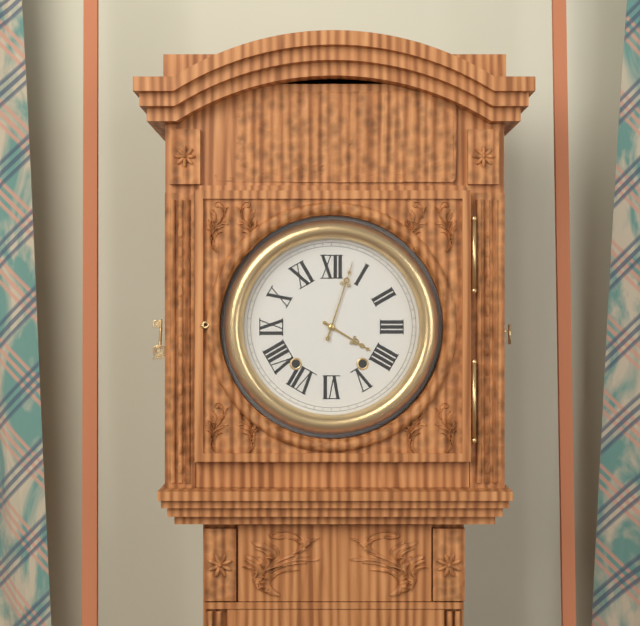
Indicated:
4:03
